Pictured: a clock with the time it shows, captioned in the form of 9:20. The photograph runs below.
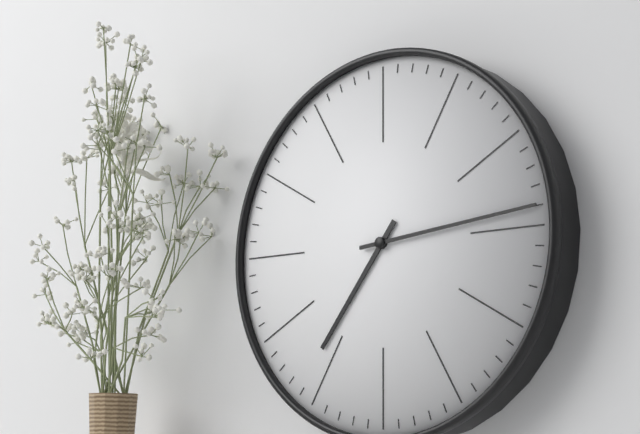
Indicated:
7:14
